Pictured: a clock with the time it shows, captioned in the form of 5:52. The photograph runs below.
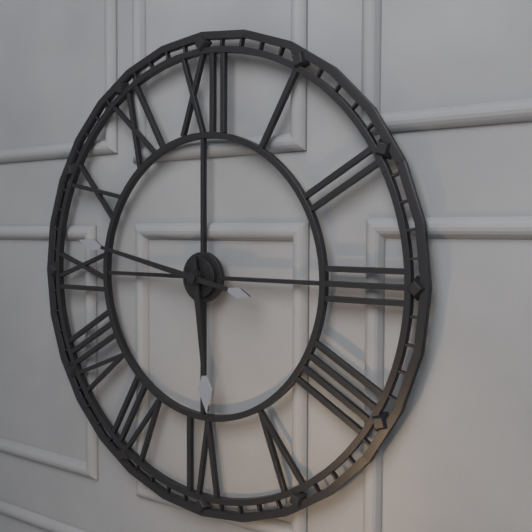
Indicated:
5:47
